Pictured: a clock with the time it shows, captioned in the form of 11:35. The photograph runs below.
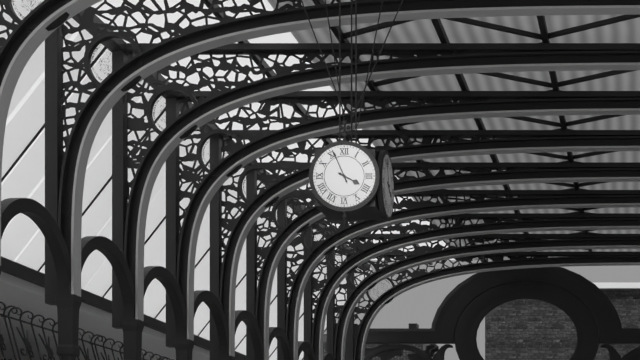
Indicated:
3:56
